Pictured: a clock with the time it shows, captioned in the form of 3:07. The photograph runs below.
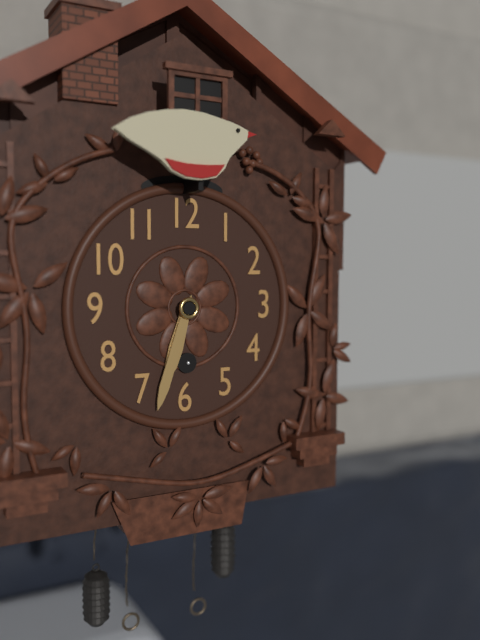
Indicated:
6:33
